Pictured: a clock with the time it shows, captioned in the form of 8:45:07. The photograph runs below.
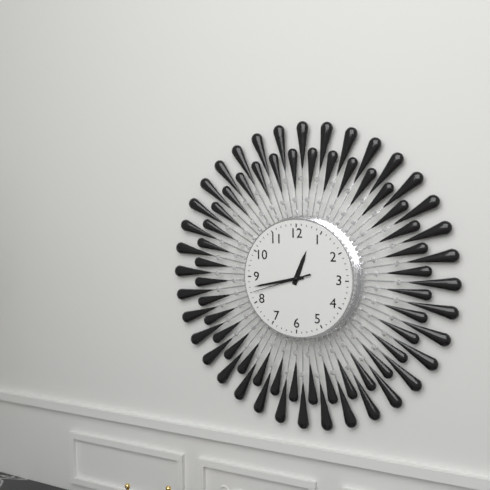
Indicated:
12:43:42
